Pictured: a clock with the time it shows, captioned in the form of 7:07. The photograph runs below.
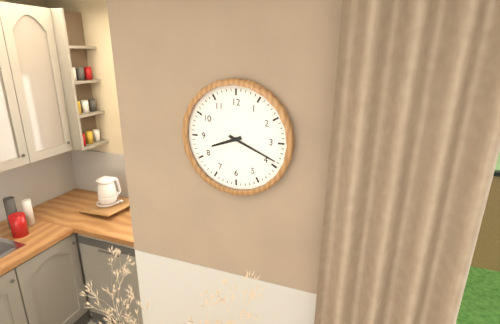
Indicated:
8:19
